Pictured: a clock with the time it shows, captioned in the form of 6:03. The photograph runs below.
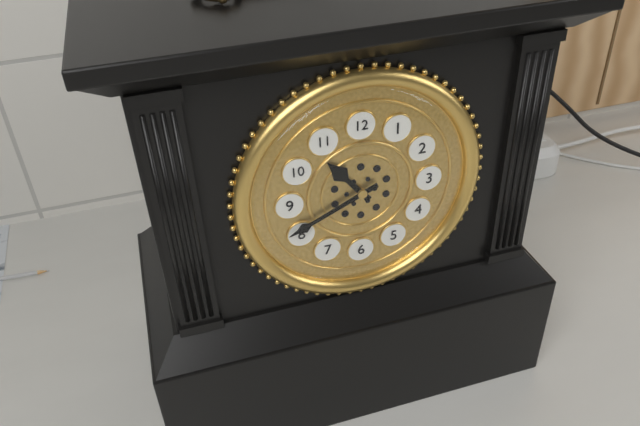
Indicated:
10:41
